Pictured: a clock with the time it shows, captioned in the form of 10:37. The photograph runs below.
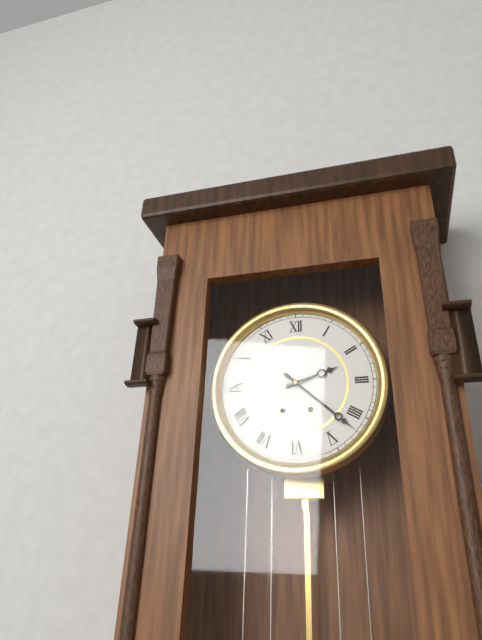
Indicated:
2:22
